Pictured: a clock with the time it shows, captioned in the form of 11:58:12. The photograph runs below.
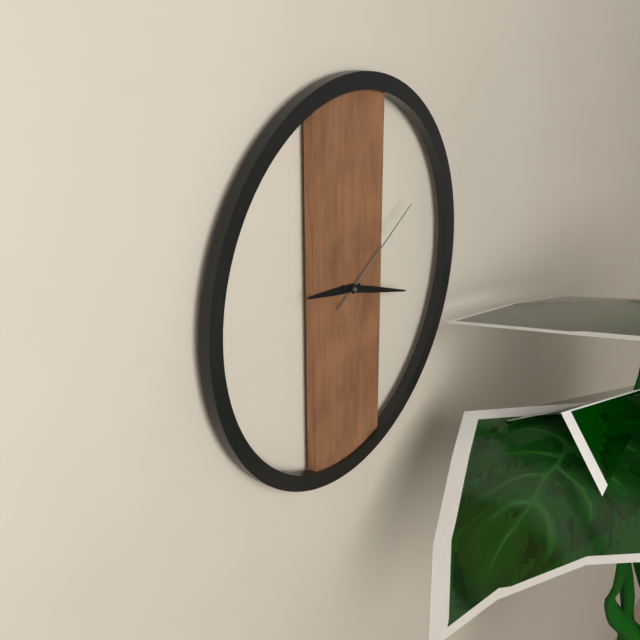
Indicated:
9:18:10
